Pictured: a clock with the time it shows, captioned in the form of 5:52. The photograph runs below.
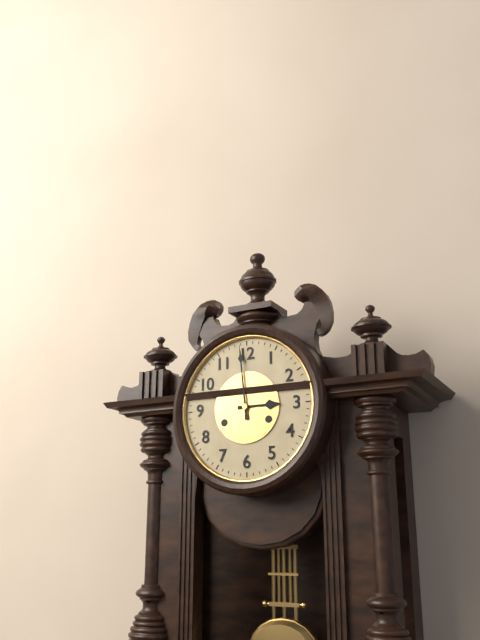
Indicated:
2:59
